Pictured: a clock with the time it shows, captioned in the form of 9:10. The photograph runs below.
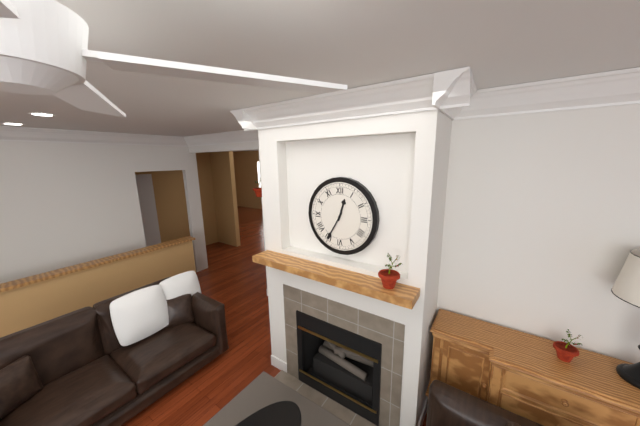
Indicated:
12:35
